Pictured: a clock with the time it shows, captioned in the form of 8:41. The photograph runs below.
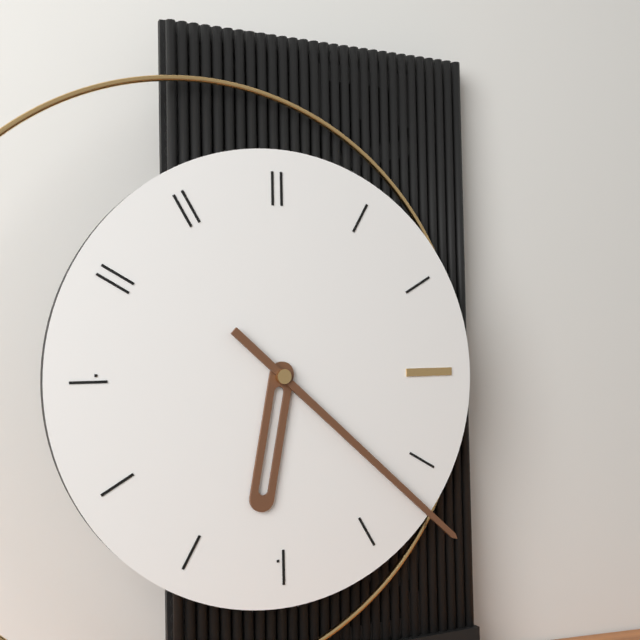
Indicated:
6:22
